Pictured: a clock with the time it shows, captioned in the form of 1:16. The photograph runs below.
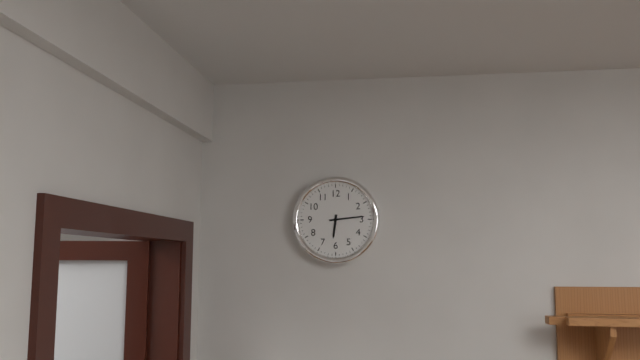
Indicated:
6:14
